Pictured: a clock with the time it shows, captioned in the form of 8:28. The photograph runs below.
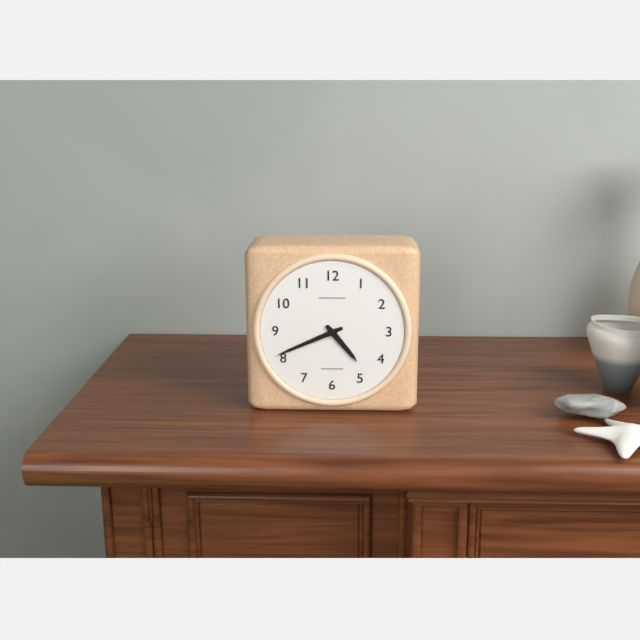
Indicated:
4:41
